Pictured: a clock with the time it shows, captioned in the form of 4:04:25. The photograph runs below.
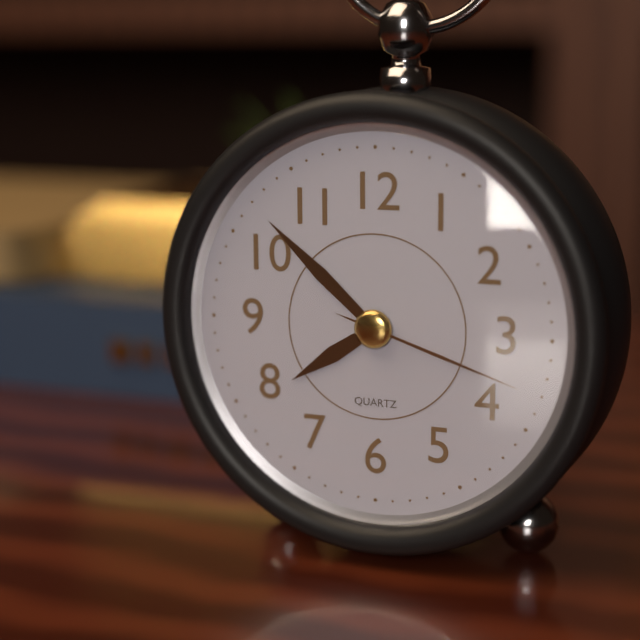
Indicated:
7:52:18
